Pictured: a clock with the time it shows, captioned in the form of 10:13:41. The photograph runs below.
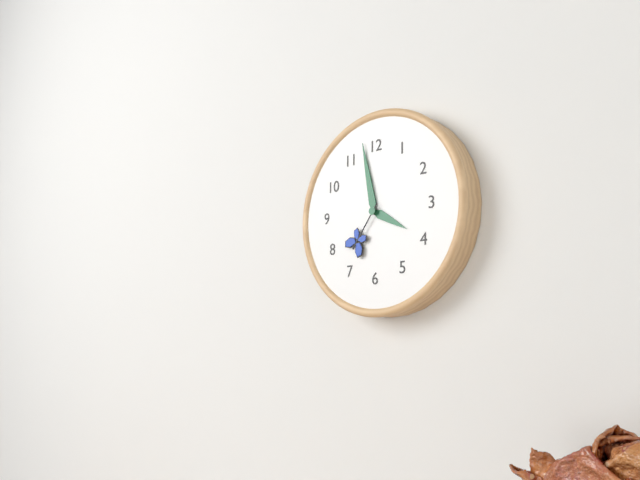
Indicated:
3:58:36
